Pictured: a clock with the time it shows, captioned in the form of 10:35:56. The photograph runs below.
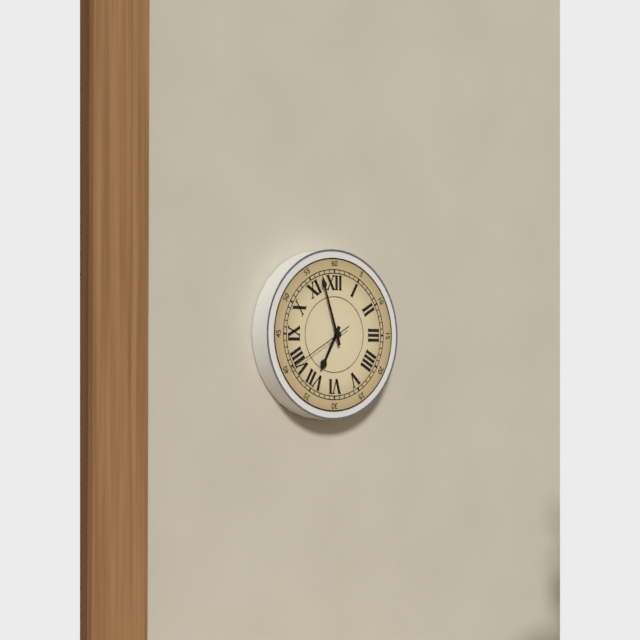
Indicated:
6:57:40
